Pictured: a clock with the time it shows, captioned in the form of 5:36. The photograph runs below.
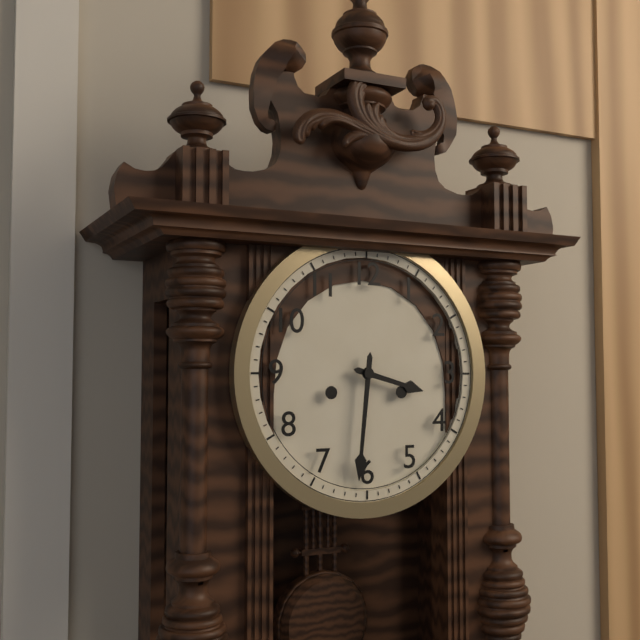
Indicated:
3:31
